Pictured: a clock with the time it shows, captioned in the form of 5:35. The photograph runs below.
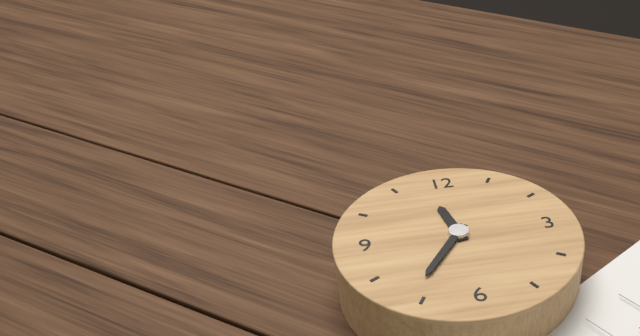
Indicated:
11:36
